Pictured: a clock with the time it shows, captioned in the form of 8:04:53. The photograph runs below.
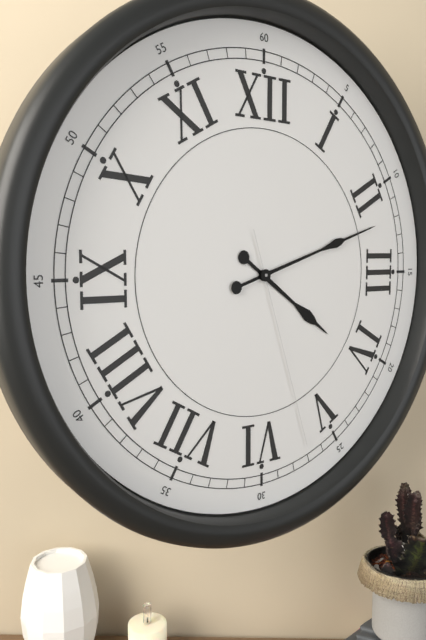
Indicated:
4:12:27
